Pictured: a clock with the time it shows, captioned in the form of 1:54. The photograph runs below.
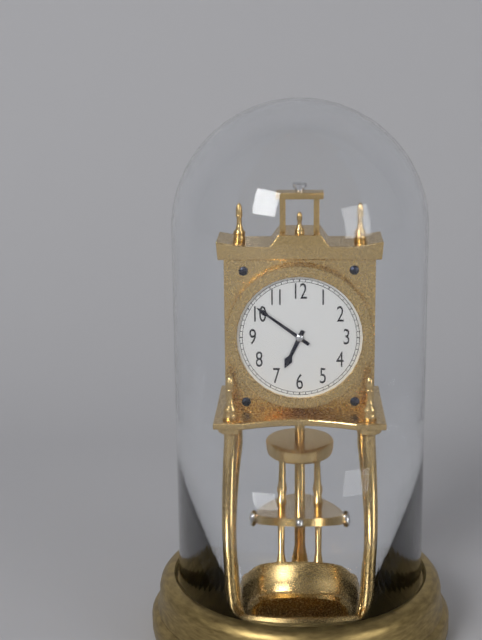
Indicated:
6:51
